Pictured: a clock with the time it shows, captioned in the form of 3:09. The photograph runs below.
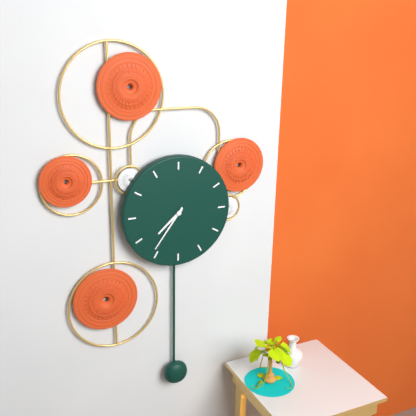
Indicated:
7:36
